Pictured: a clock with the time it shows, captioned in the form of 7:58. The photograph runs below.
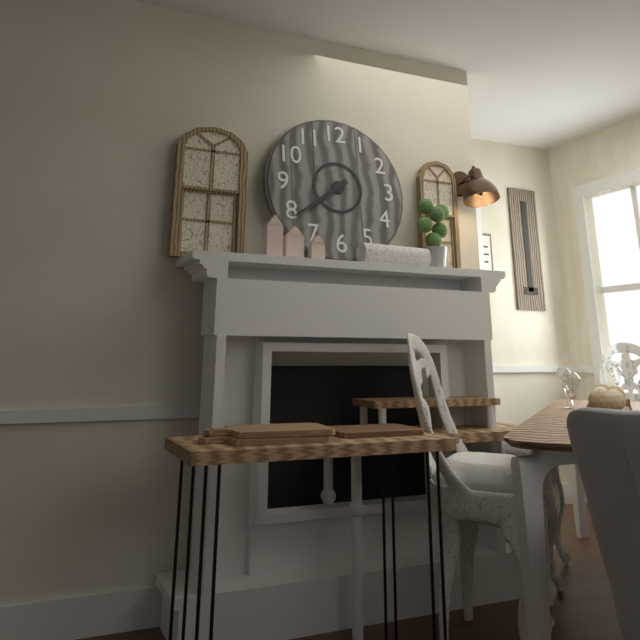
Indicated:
7:39
